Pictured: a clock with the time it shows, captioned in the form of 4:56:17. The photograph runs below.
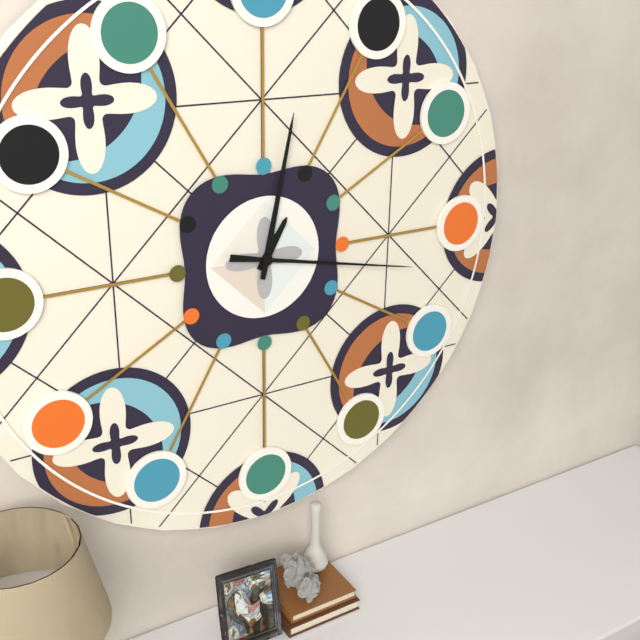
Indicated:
1:02:17
